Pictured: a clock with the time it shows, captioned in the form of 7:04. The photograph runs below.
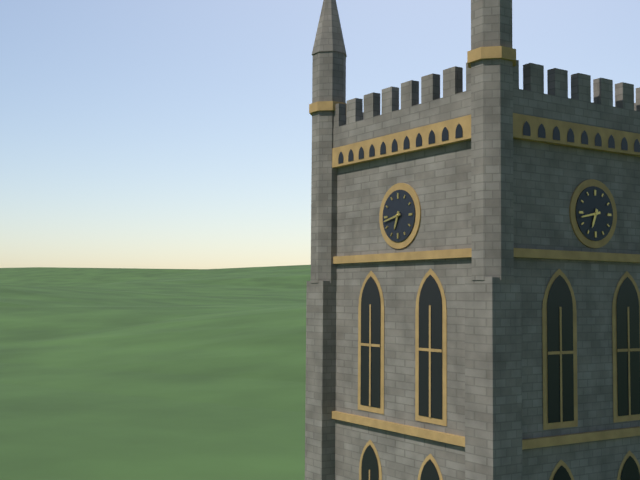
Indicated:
6:43
